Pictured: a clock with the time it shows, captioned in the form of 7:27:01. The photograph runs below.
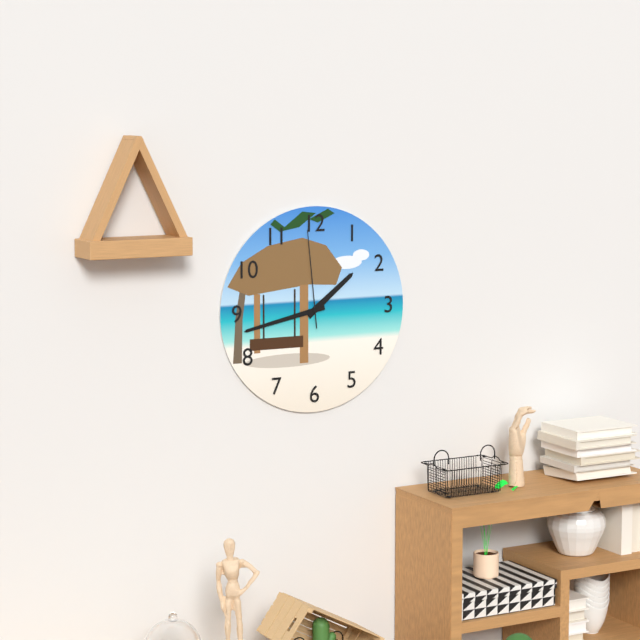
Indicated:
1:43:59
